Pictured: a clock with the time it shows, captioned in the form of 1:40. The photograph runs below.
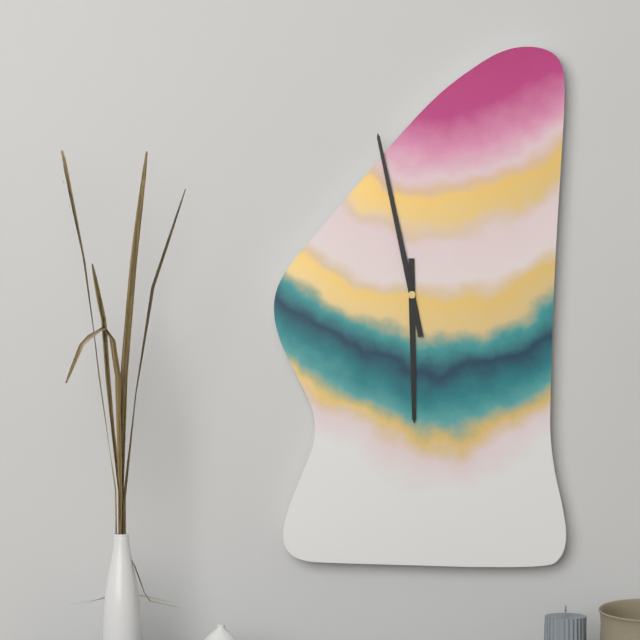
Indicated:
5:58
